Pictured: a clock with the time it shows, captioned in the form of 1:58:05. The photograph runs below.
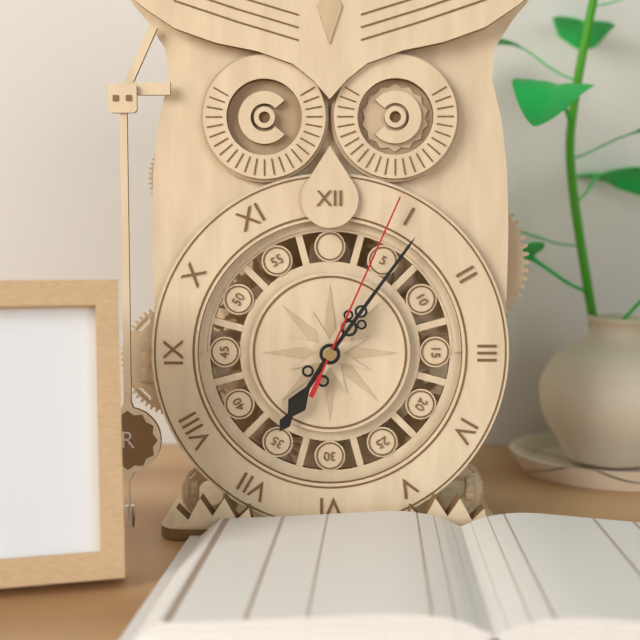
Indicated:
7:06:04
